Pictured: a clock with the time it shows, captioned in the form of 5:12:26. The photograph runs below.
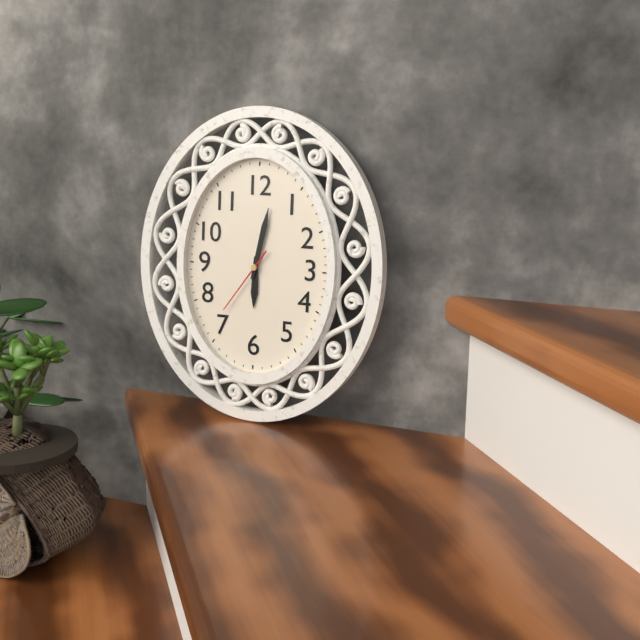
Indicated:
6:02:36
